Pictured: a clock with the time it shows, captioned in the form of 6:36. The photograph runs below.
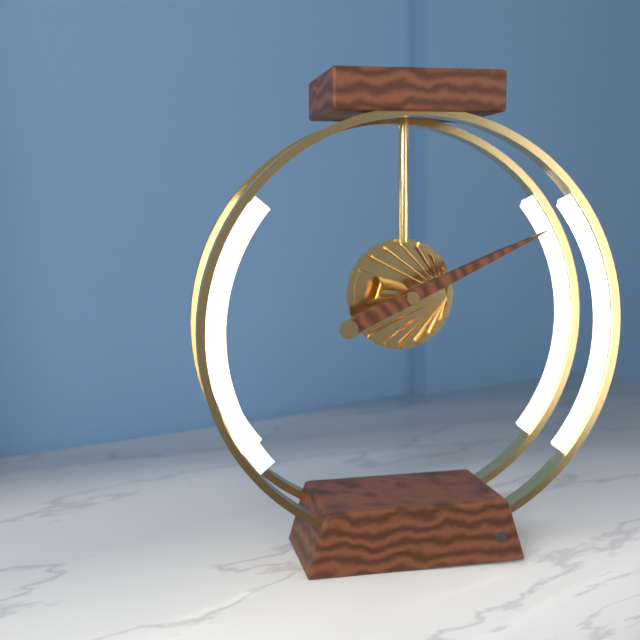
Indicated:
2:11
